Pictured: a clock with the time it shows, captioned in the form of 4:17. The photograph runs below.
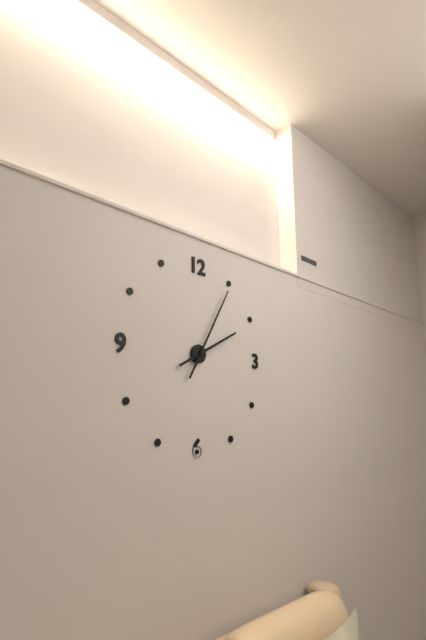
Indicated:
2:05
